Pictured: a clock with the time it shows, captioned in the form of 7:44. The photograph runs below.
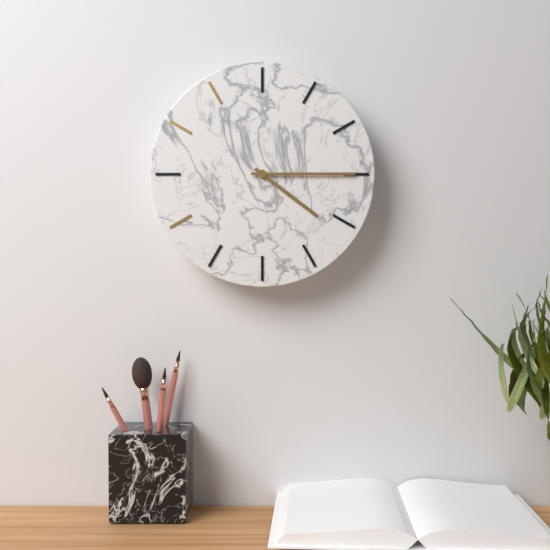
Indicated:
4:15
